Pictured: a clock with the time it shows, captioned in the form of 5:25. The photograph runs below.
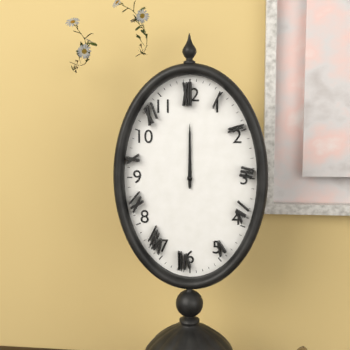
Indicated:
12:00
